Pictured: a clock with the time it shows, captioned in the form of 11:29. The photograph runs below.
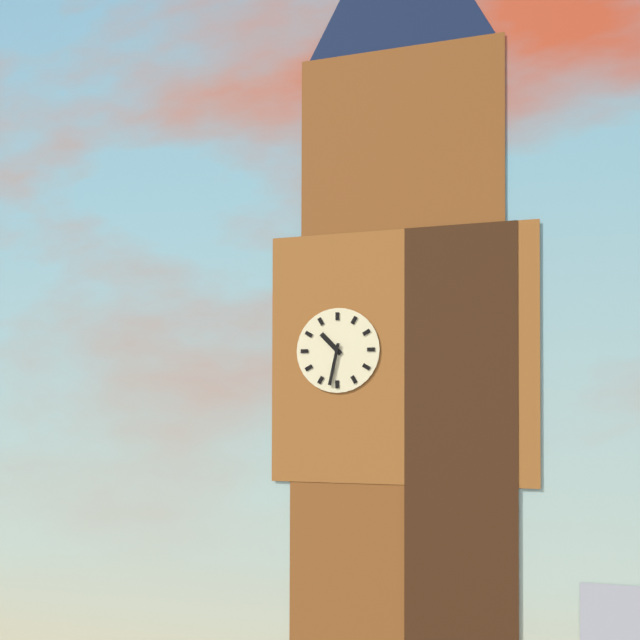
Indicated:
10:32
